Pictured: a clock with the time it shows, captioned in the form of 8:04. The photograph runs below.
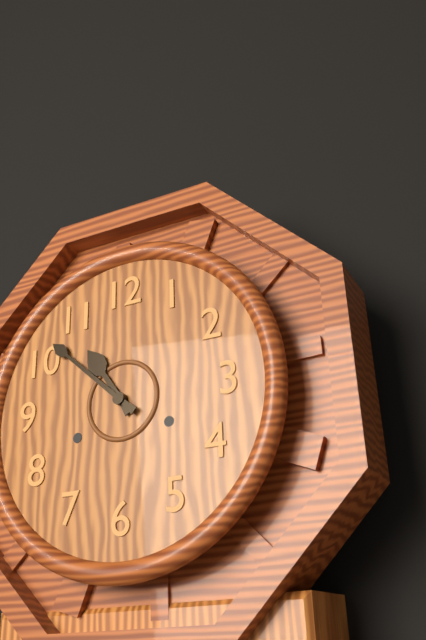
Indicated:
10:52
